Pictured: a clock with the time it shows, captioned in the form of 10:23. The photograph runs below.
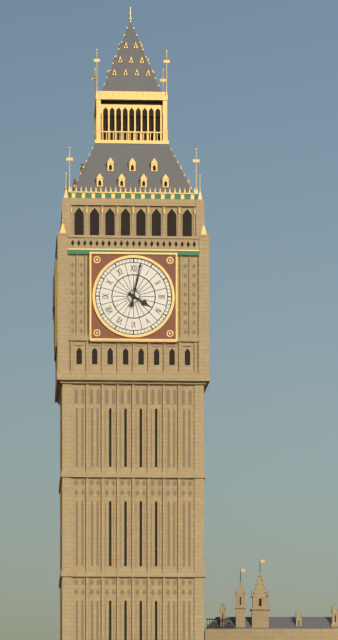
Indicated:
4:02
